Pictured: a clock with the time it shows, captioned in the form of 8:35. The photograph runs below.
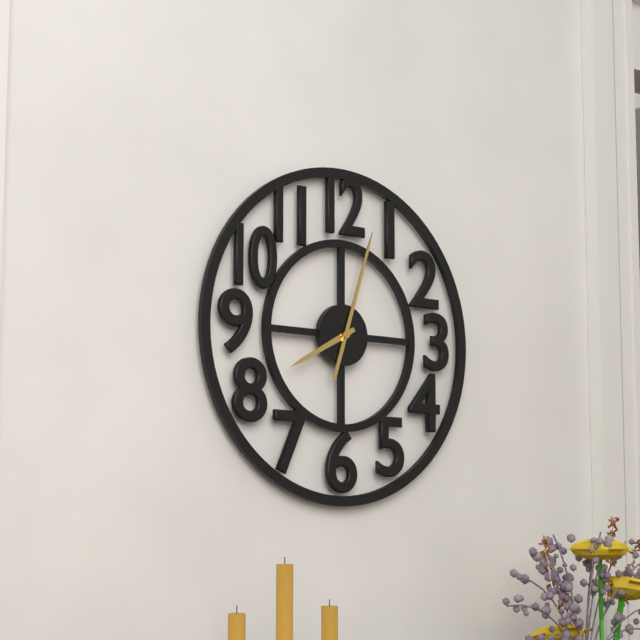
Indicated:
8:03
